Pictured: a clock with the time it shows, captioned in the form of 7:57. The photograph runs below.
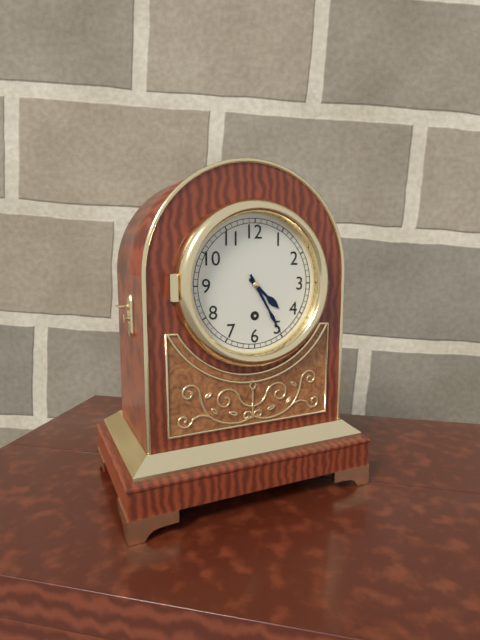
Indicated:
4:25
